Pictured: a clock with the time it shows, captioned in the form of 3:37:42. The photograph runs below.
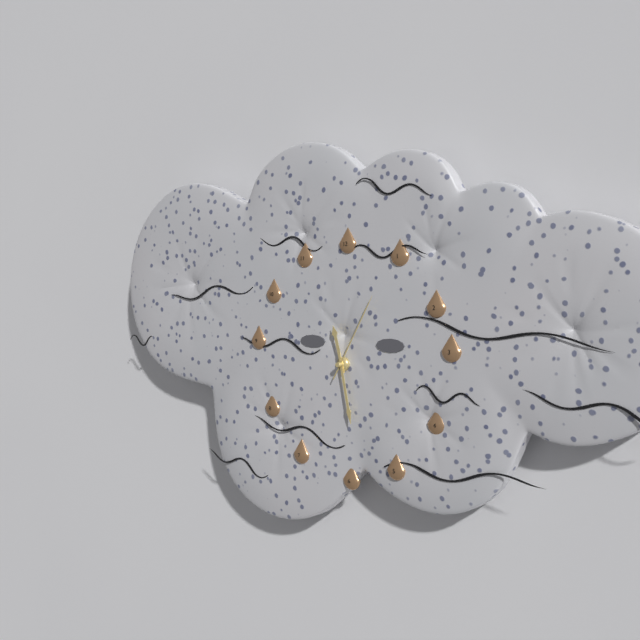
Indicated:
11:28:05
